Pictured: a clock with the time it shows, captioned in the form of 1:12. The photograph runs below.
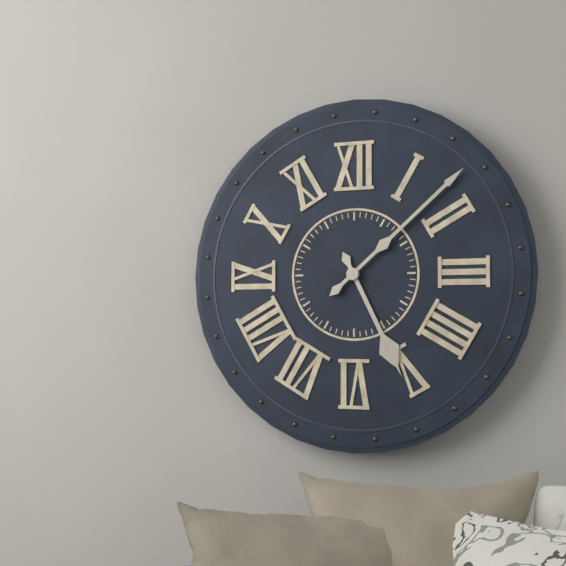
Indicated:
5:08
